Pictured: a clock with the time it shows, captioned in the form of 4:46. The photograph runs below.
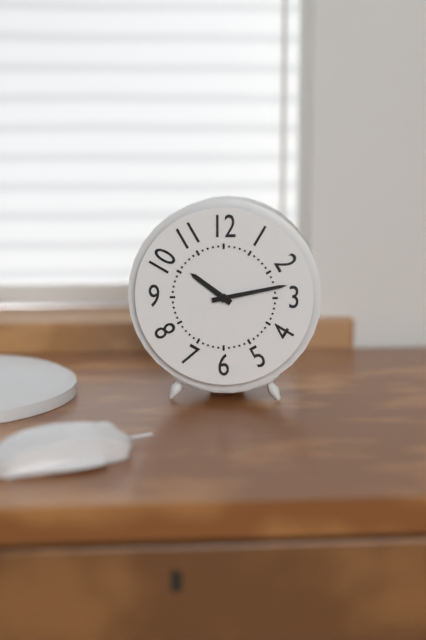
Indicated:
10:13
